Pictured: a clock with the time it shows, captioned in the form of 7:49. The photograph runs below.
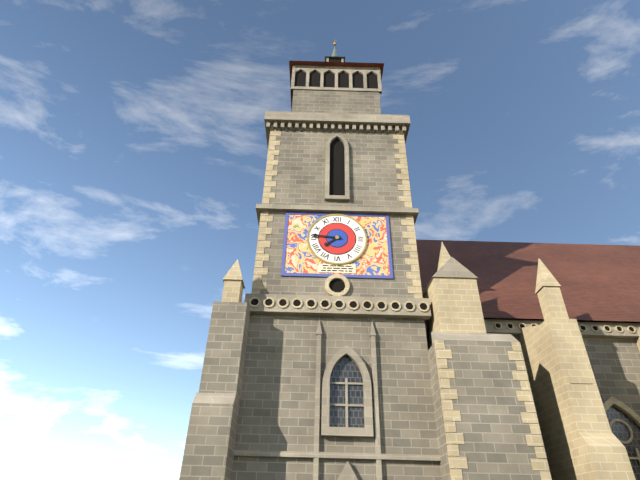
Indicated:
7:46
